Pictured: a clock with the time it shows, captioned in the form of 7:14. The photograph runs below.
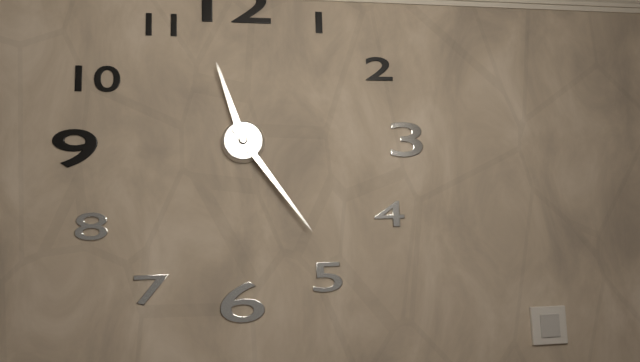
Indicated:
11:24
